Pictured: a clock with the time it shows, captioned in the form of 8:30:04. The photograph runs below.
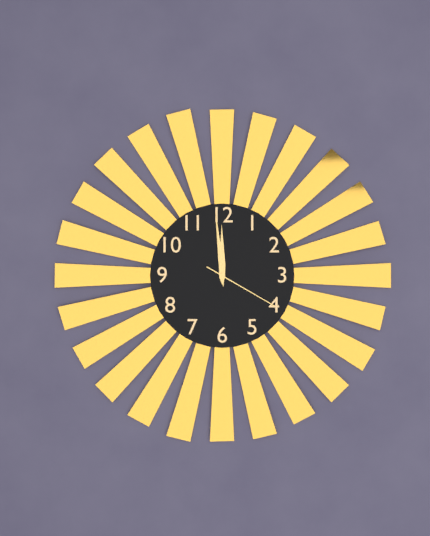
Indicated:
11:59:20
